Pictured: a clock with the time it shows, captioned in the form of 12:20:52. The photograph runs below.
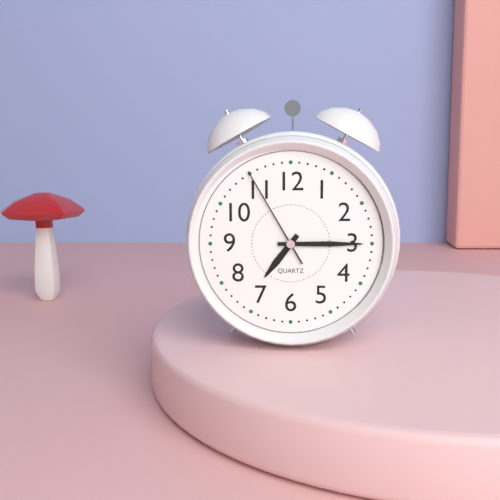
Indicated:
7:15:55
